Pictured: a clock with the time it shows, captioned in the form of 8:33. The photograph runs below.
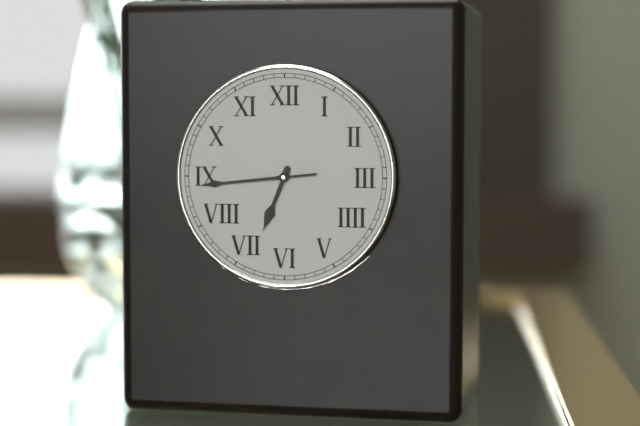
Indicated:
6:44
